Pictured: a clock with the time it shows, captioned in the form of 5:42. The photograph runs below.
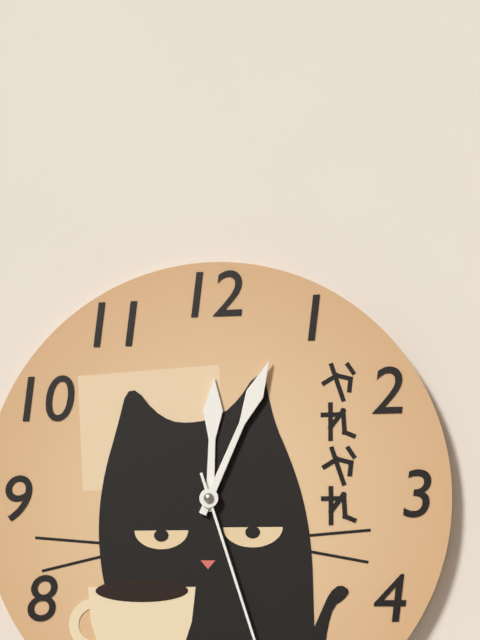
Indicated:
12:04
